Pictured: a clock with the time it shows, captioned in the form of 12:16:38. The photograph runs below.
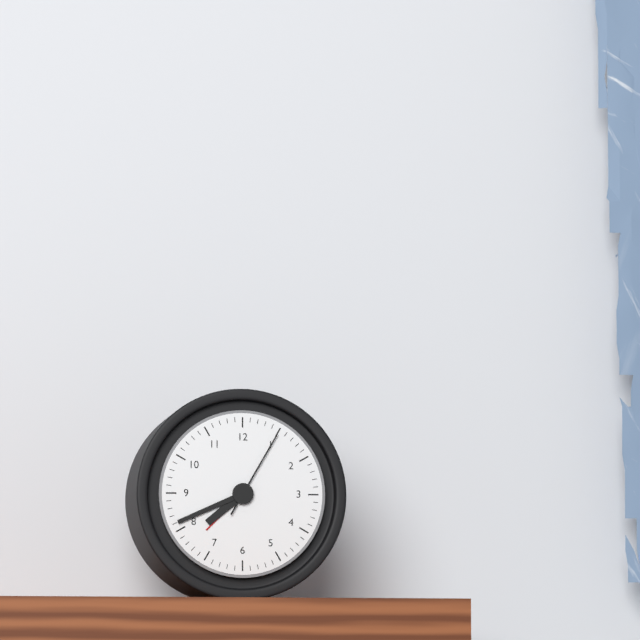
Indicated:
7:41:05
